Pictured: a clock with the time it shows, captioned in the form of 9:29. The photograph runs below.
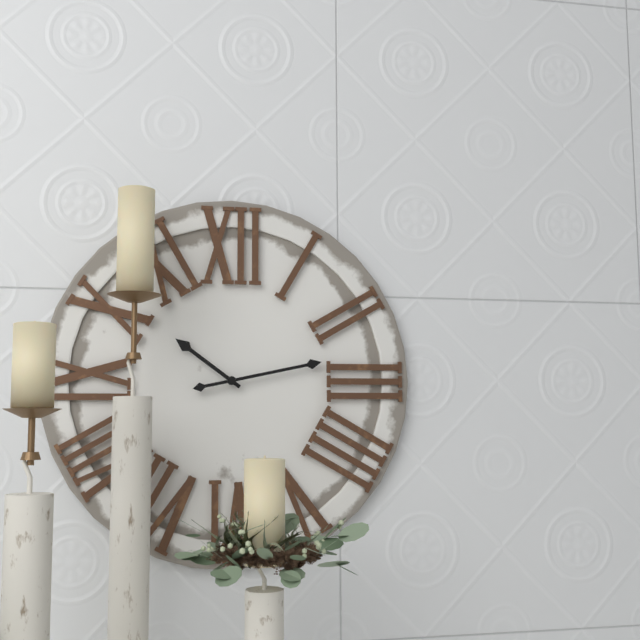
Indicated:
10:13
